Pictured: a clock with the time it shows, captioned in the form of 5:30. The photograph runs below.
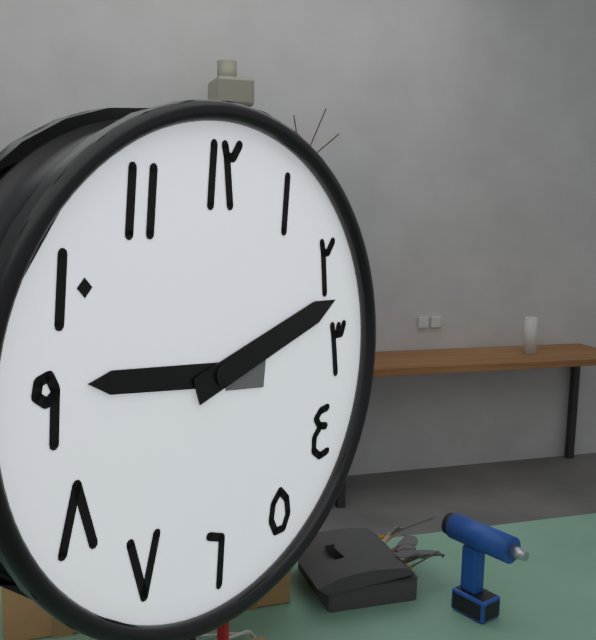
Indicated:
9:12
